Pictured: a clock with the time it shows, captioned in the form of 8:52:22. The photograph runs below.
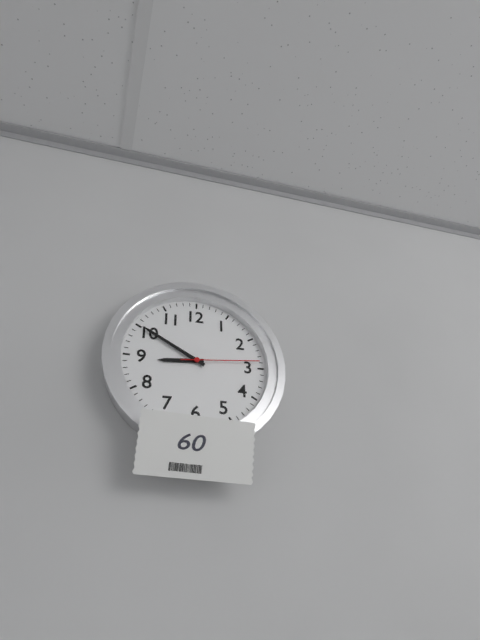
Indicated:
8:50:14
